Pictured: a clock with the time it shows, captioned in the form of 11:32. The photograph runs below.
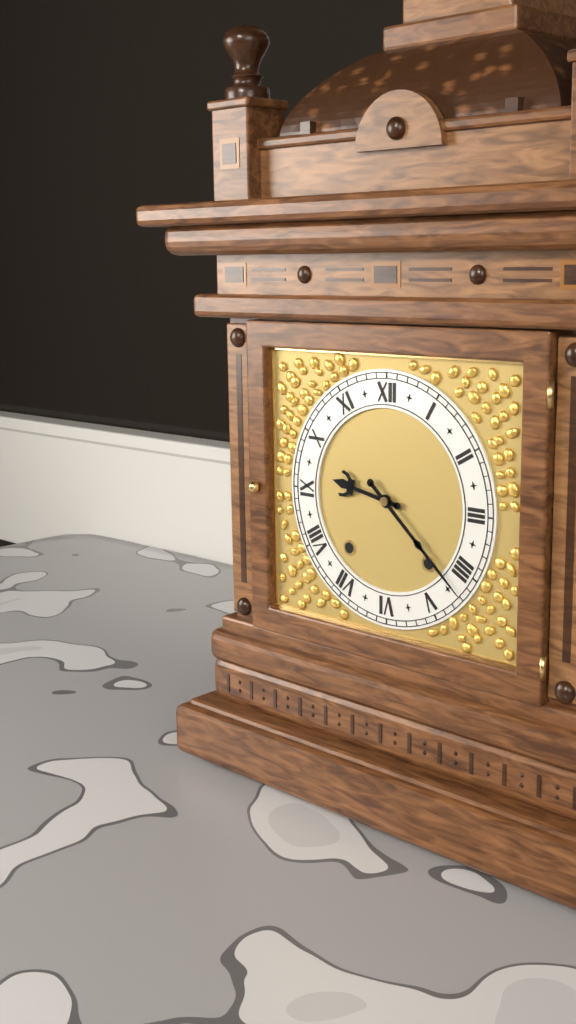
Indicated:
9:22
